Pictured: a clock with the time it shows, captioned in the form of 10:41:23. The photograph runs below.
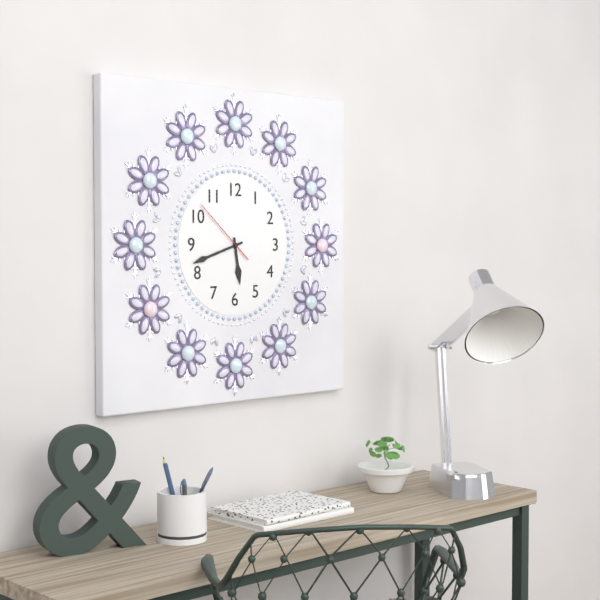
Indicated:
5:42:52
